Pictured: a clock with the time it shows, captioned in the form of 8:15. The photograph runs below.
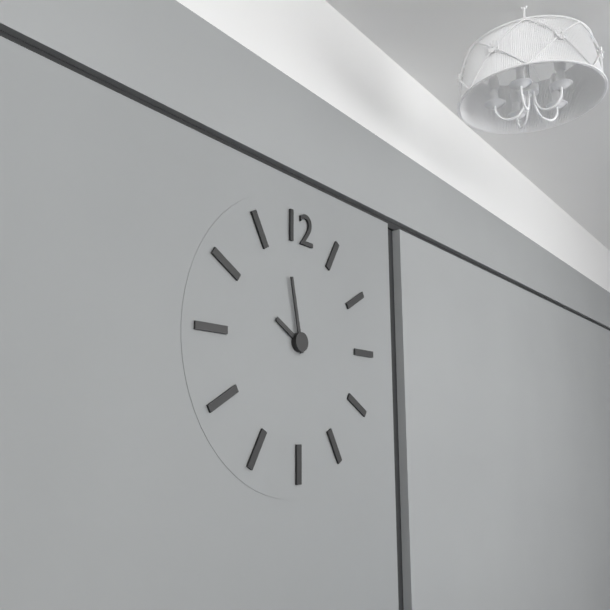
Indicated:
9:58
